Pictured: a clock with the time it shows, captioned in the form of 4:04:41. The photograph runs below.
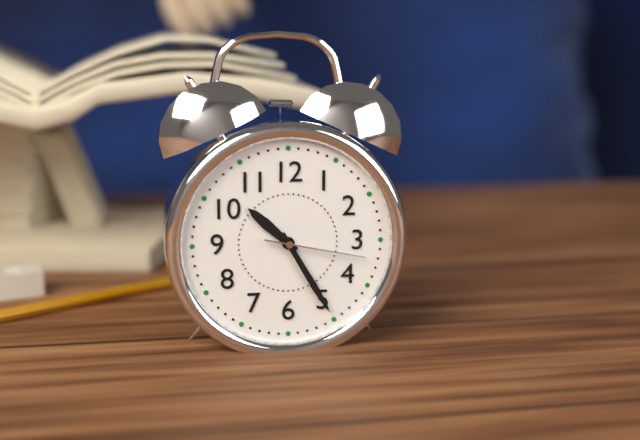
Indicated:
10:25:17
